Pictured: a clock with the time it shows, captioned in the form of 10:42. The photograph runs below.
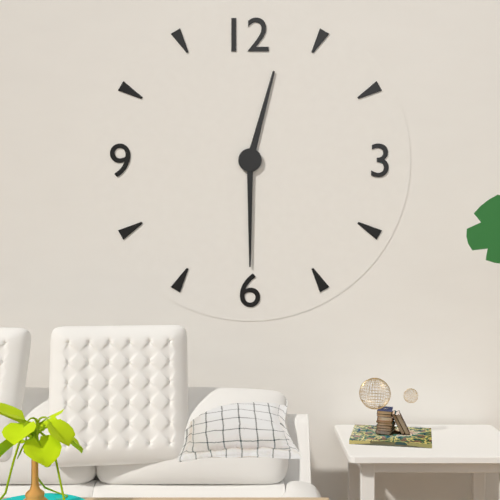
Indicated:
12:30
